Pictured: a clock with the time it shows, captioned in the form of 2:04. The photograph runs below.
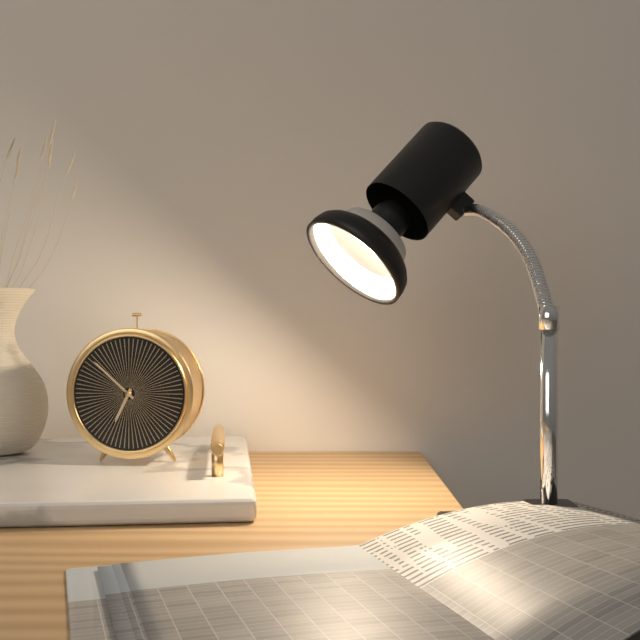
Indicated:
6:52
